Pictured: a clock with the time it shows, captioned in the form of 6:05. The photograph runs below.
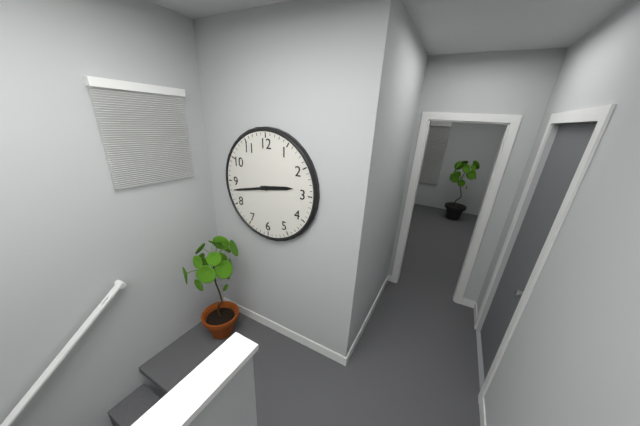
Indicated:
2:43
